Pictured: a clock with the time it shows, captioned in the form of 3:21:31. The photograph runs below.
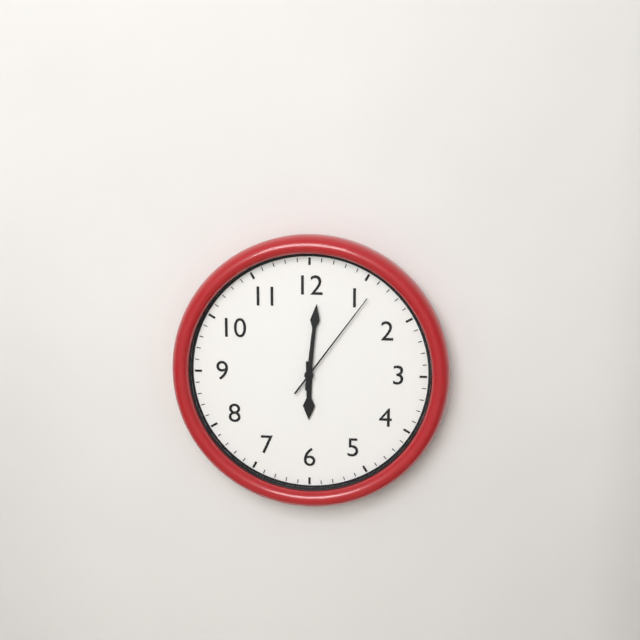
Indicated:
6:01:06
